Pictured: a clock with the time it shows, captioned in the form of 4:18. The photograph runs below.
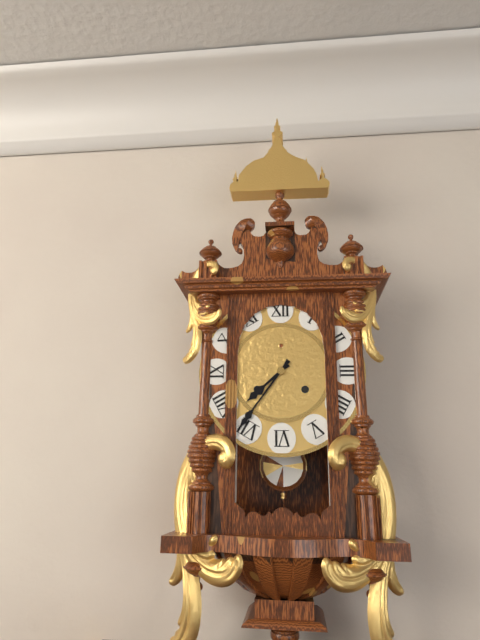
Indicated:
7:36
